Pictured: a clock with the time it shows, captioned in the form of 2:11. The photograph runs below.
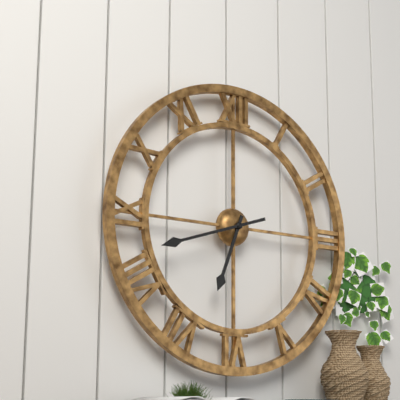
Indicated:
6:42
